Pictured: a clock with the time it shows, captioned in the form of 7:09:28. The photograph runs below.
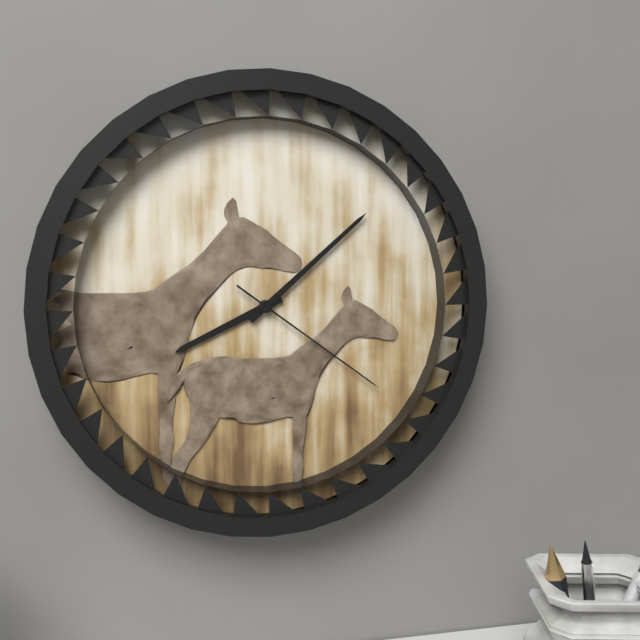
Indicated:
8:08:21
